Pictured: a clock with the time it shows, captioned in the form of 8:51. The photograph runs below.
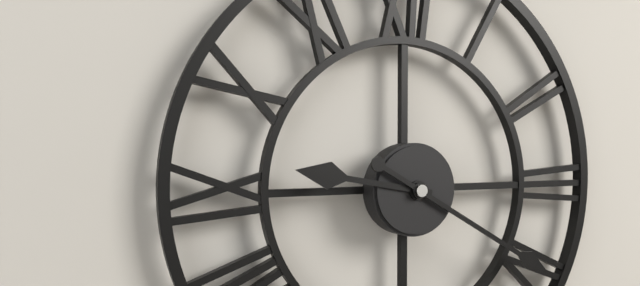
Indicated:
9:20
